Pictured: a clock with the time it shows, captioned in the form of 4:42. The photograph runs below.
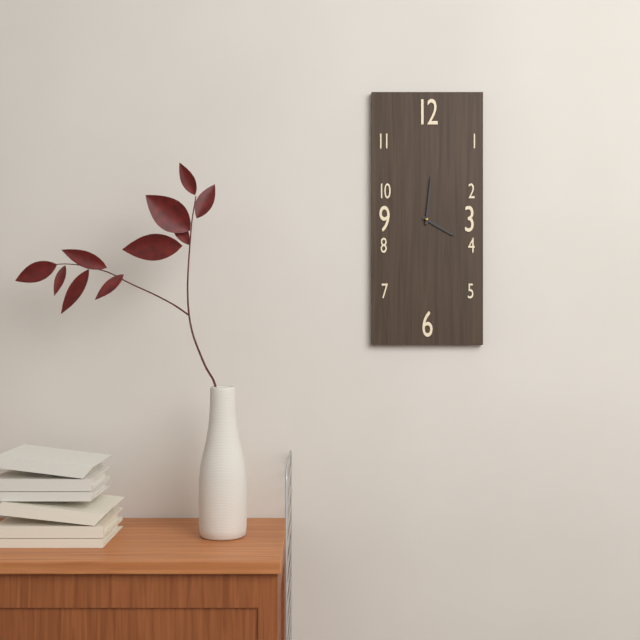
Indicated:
4:01
